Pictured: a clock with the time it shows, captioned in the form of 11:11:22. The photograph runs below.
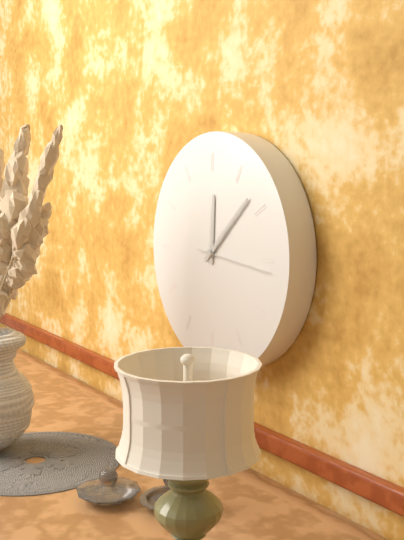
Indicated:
12:08:16
